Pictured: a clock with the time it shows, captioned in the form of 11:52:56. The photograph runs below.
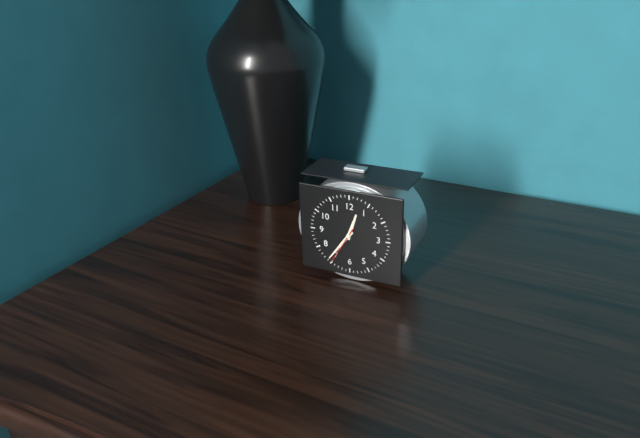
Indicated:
12:36:35
